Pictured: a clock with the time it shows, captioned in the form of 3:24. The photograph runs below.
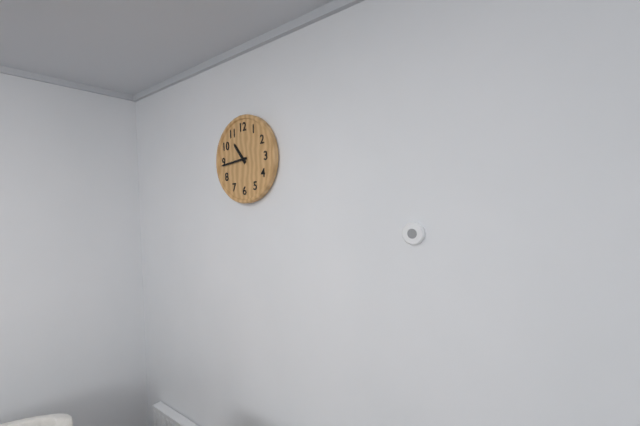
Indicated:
10:44
